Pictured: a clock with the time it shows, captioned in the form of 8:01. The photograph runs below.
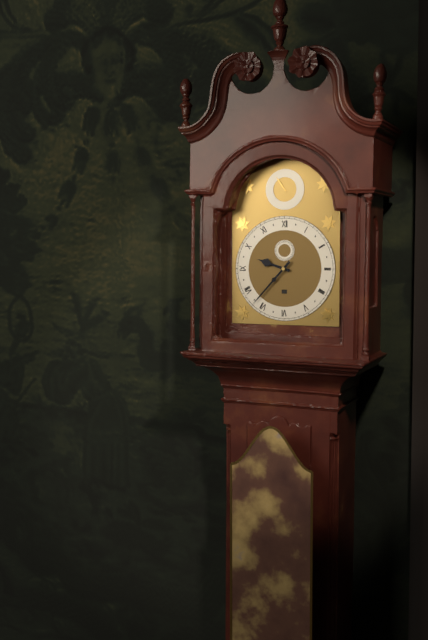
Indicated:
9:37
